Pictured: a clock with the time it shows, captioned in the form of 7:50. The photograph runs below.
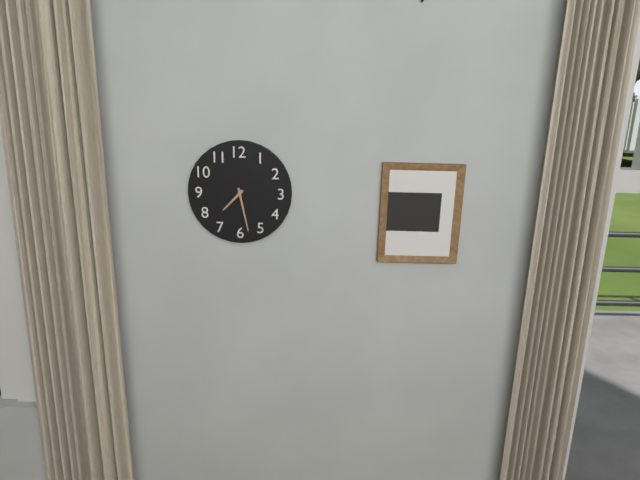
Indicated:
7:28
